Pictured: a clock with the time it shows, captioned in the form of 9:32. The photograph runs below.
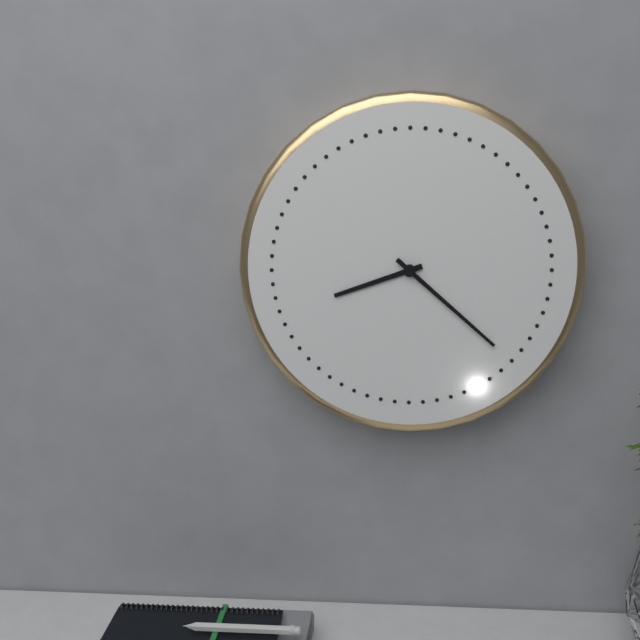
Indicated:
8:22
